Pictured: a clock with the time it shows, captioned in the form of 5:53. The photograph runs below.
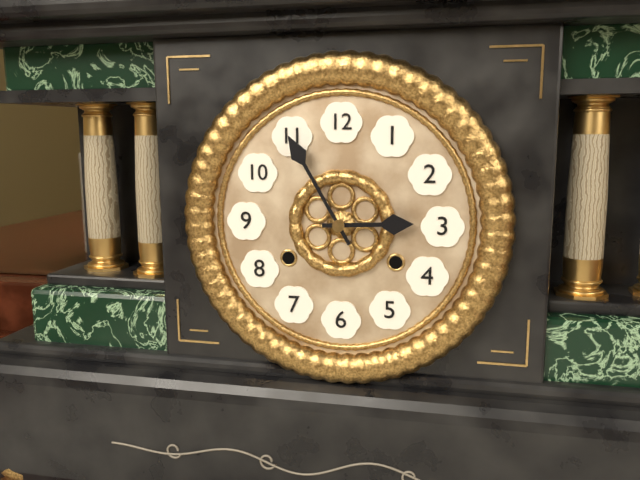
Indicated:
2:55
